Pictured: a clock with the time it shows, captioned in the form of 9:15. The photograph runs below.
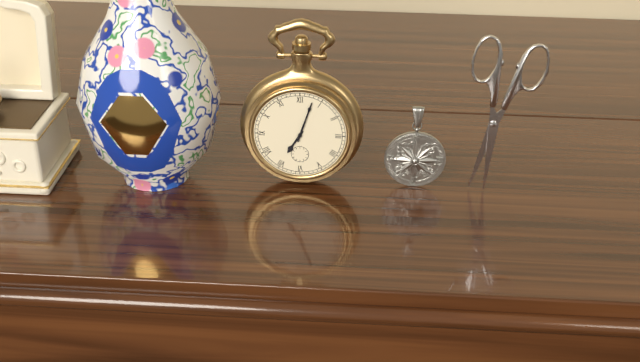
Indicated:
7:03
